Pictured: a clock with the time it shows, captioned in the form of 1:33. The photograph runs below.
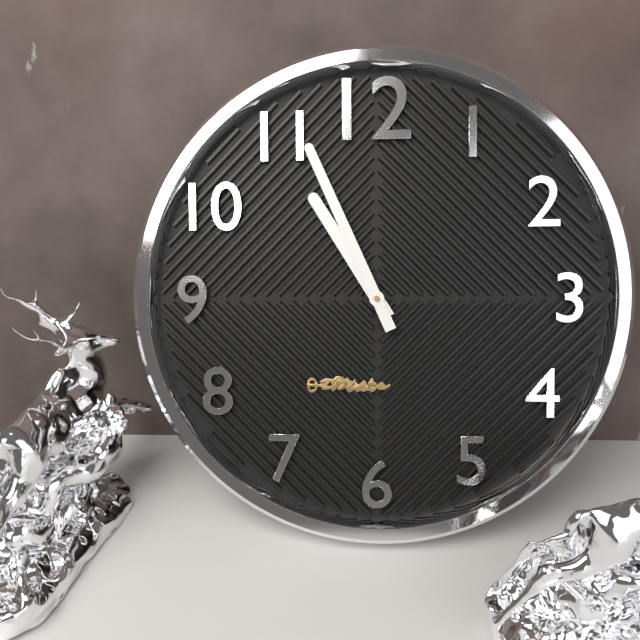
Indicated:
10:56
